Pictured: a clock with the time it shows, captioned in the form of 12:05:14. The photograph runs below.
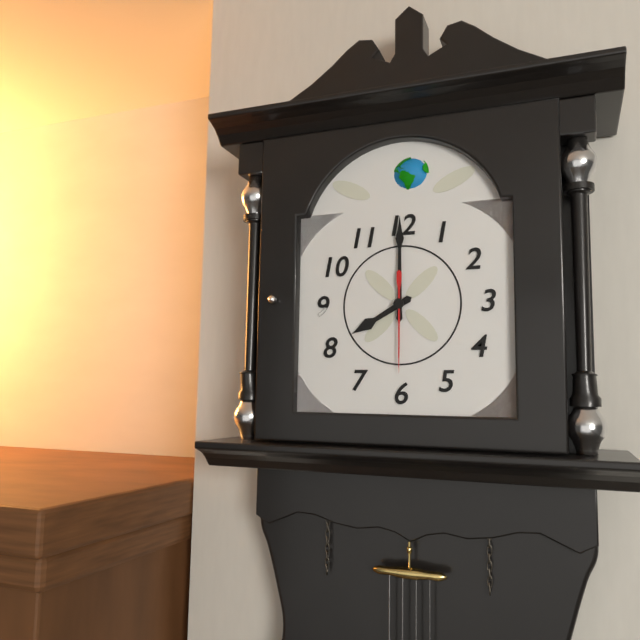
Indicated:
8:00:30
